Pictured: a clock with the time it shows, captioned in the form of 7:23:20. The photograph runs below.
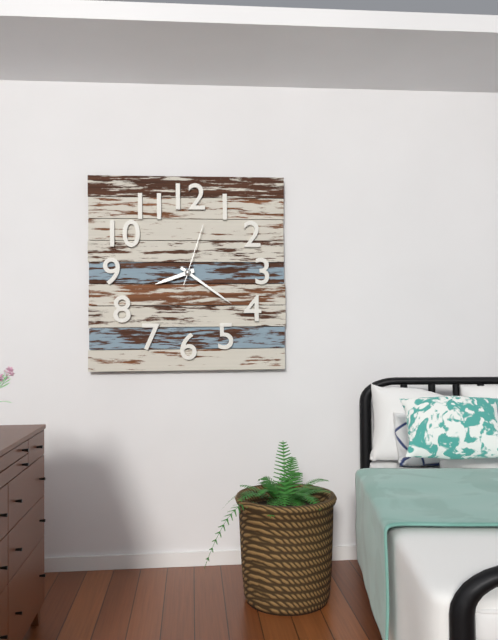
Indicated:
8:21:03
